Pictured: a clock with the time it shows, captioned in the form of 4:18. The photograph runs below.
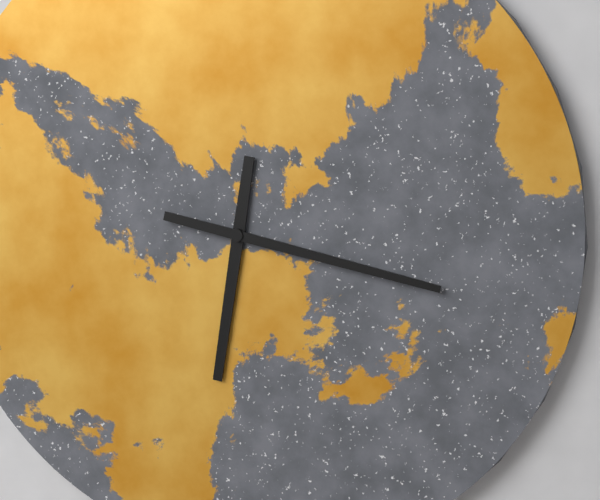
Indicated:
6:17
